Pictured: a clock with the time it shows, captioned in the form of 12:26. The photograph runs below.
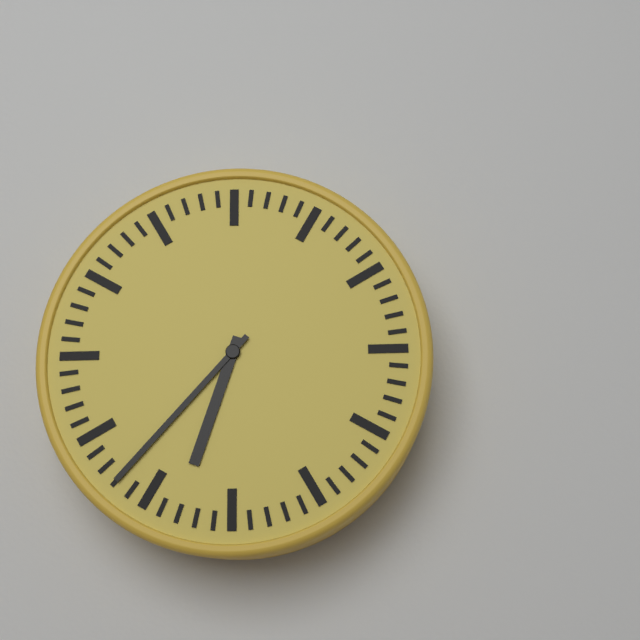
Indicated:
6:37
